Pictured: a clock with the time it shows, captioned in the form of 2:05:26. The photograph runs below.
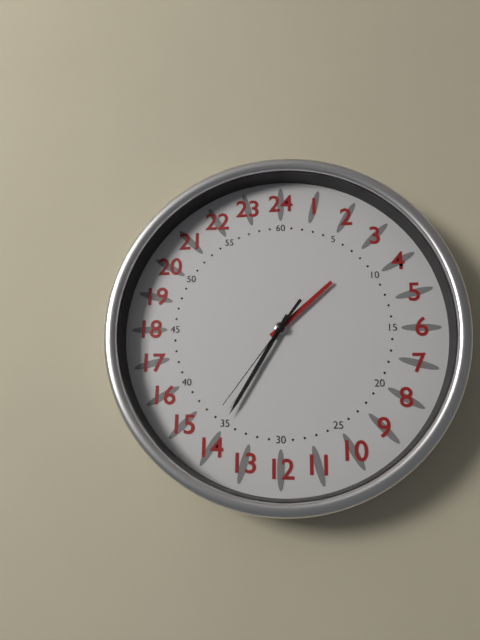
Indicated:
1:35:36
